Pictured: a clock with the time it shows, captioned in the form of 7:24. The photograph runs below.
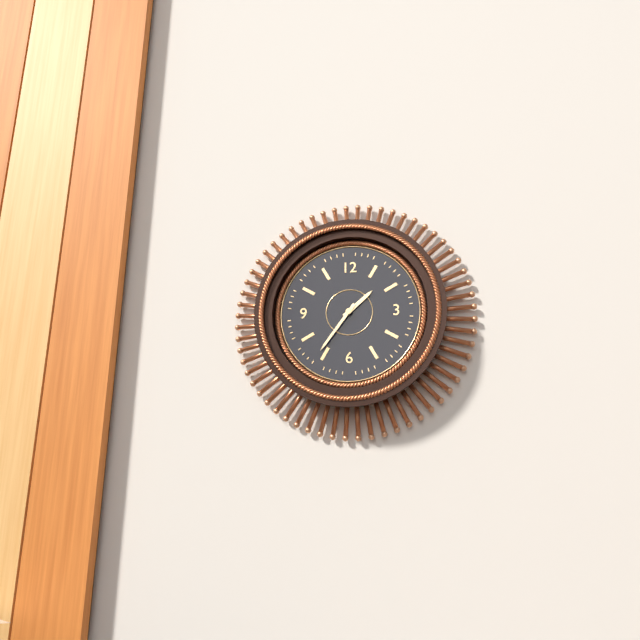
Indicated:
1:36
